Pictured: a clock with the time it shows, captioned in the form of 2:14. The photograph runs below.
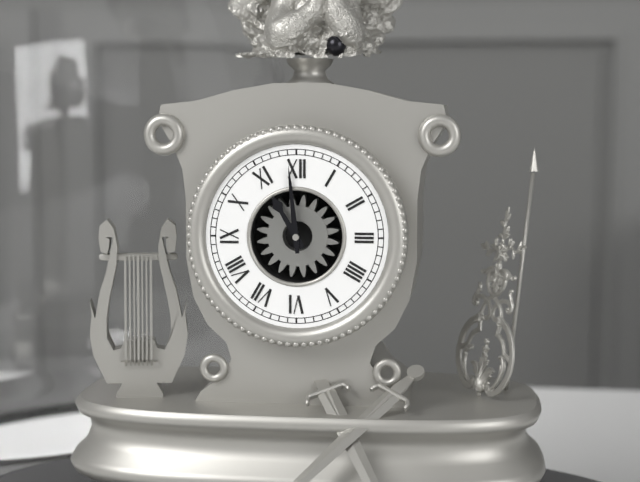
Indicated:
10:59
